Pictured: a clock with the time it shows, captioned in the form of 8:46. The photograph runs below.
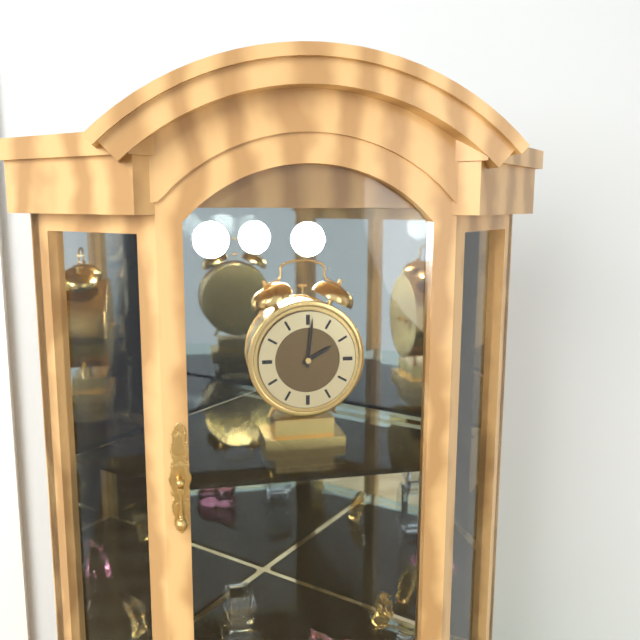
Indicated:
2:01
